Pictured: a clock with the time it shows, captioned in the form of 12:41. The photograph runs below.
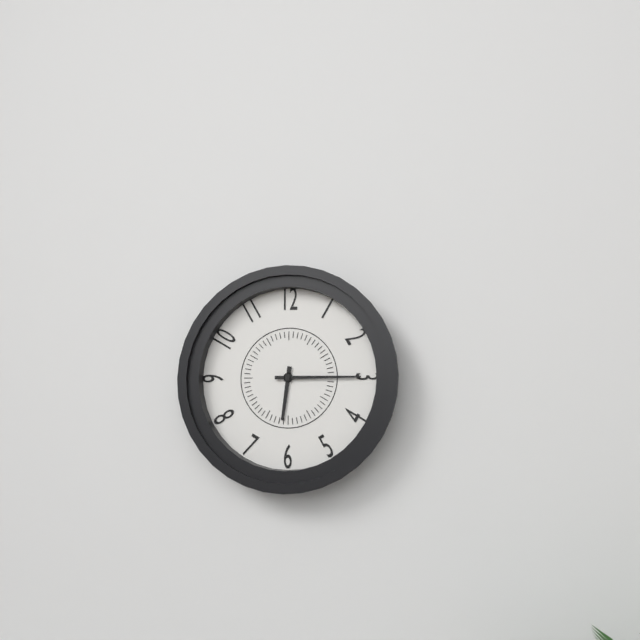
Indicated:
6:15
